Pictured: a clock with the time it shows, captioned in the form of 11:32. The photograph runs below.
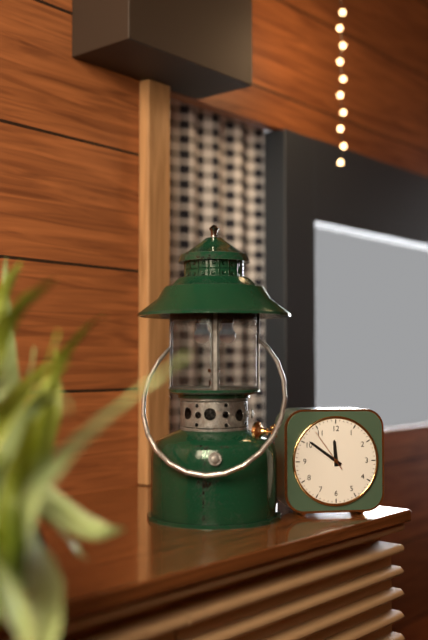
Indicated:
11:51
